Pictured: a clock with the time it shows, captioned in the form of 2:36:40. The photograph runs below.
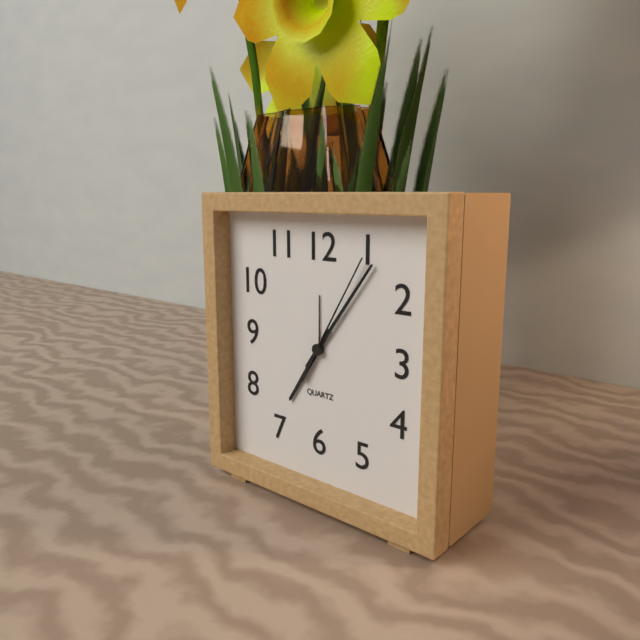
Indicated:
7:06:05
